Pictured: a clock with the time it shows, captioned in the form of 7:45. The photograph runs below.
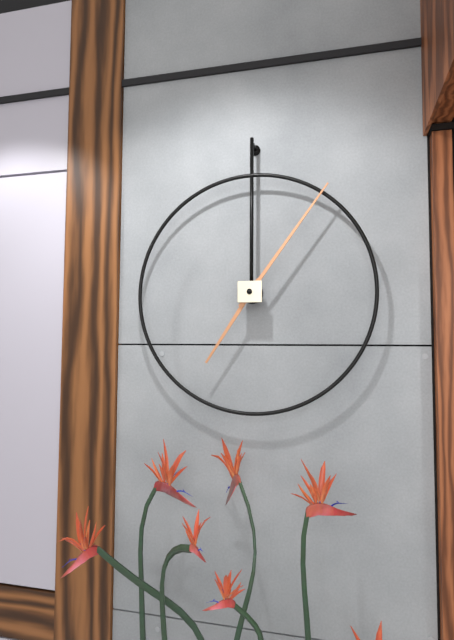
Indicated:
7:06
